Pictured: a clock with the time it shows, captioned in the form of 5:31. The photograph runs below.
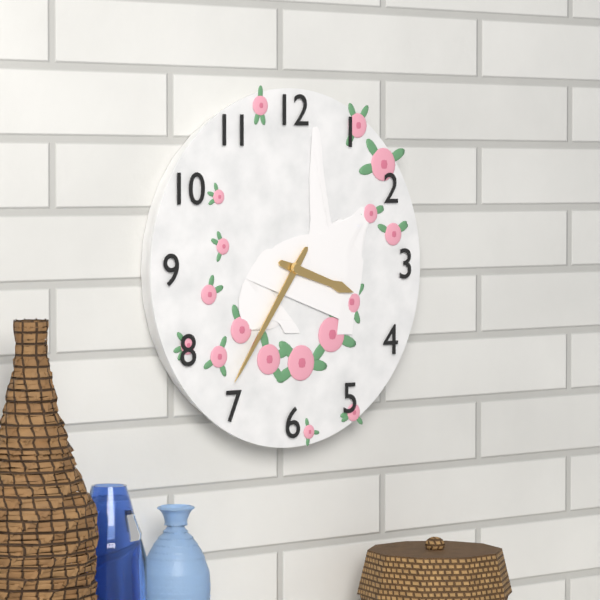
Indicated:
3:36
